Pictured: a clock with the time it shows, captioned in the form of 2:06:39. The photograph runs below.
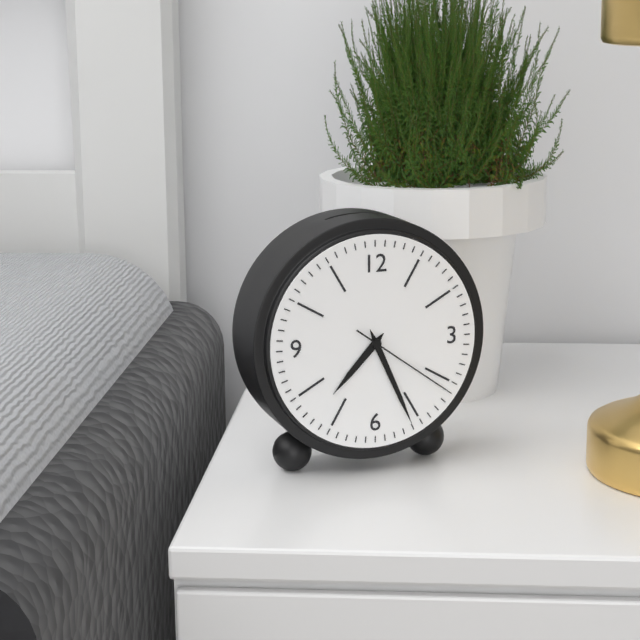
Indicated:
7:26:21
